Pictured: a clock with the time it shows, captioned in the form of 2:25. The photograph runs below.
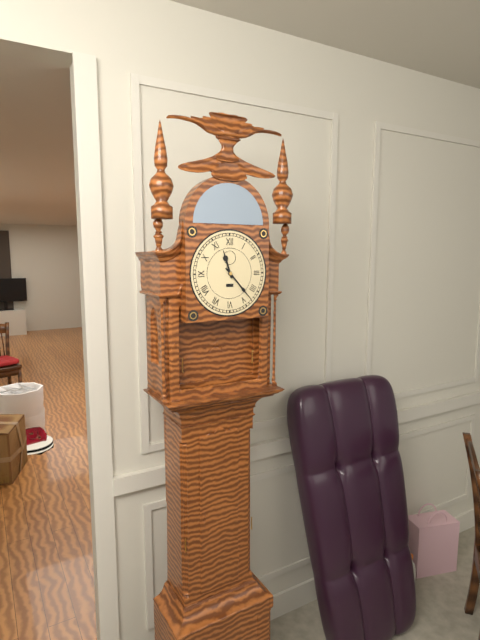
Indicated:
11:23
